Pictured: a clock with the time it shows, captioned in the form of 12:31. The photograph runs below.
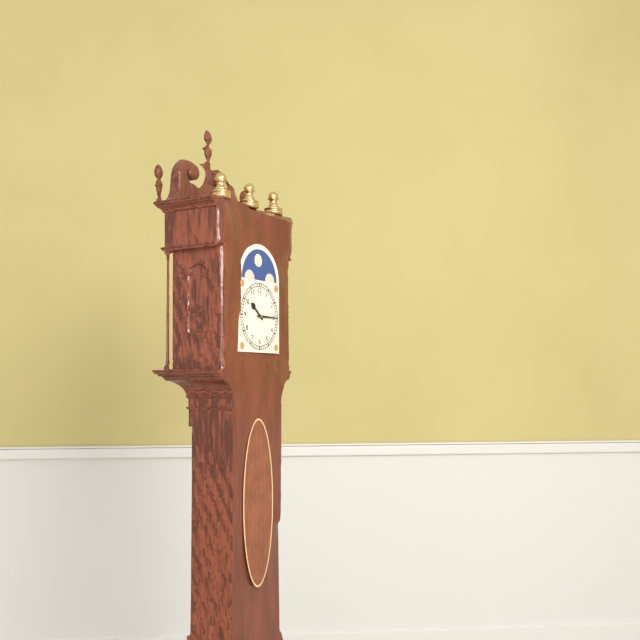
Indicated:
10:15
